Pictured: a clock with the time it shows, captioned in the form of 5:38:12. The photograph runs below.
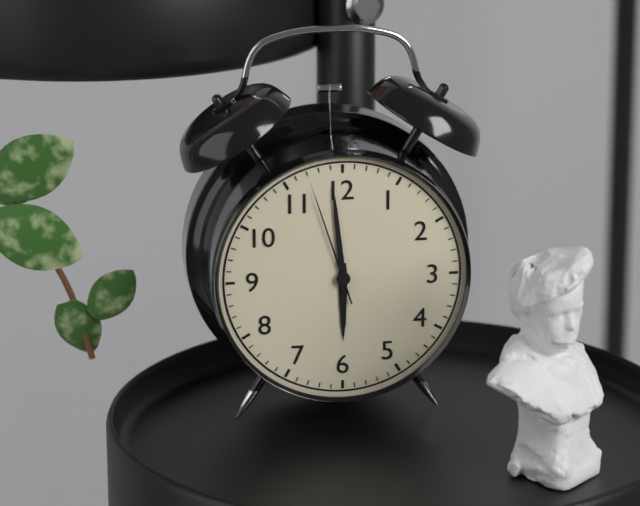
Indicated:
5:59:57
